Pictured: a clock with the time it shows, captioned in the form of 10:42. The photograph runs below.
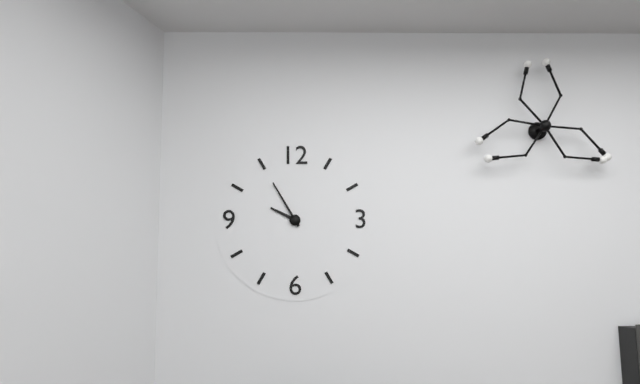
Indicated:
9:55
